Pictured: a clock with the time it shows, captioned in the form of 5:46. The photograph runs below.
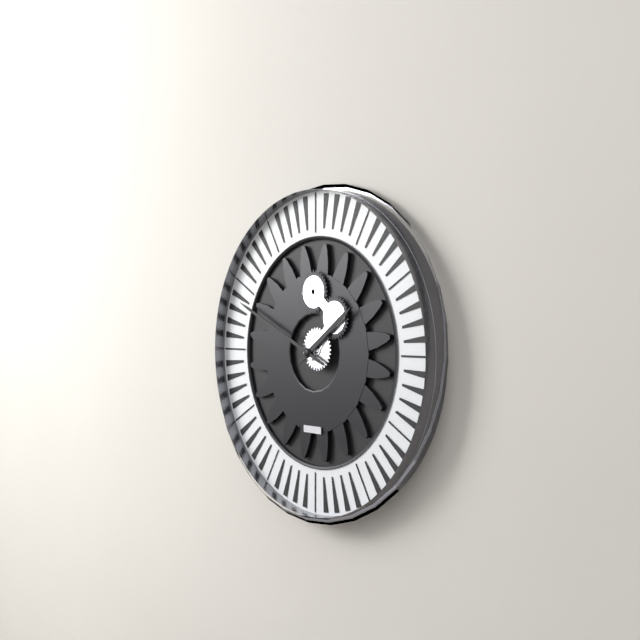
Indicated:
1:49
